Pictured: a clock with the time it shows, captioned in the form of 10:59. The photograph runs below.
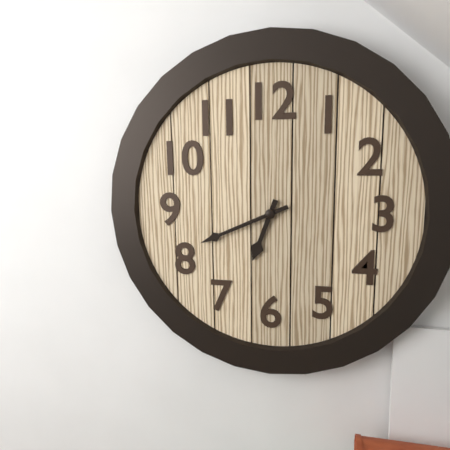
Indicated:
6:41
